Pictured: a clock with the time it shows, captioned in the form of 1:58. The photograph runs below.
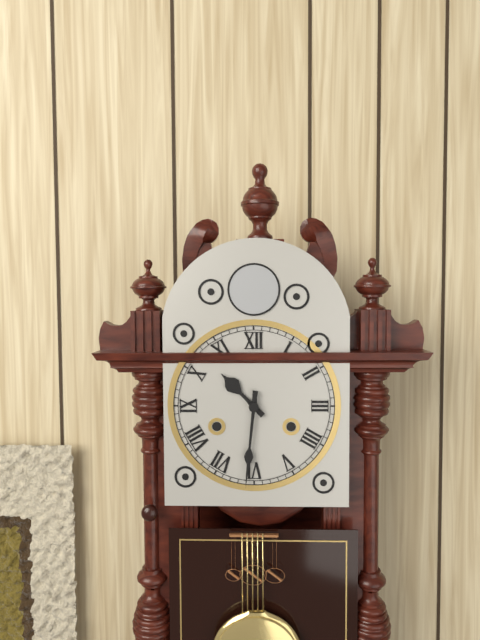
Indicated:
10:31
